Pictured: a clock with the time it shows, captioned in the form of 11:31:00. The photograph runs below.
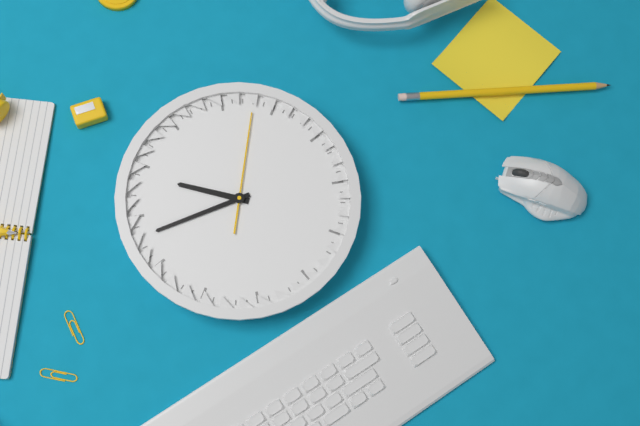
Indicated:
10:48:08
